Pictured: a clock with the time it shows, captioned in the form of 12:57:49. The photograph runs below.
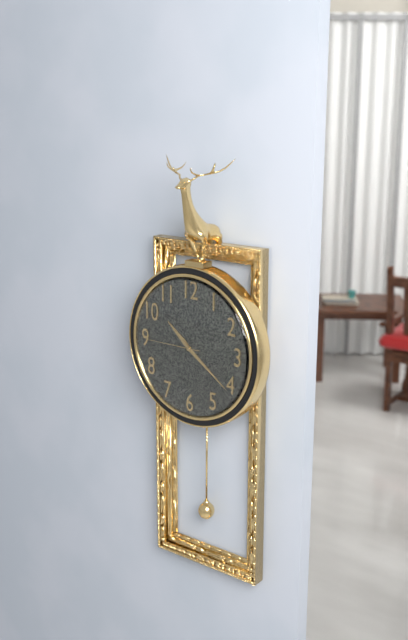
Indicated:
10:21:45
